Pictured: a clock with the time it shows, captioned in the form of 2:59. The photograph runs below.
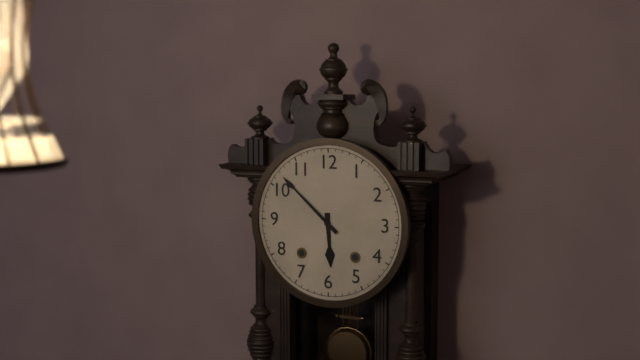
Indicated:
5:52
